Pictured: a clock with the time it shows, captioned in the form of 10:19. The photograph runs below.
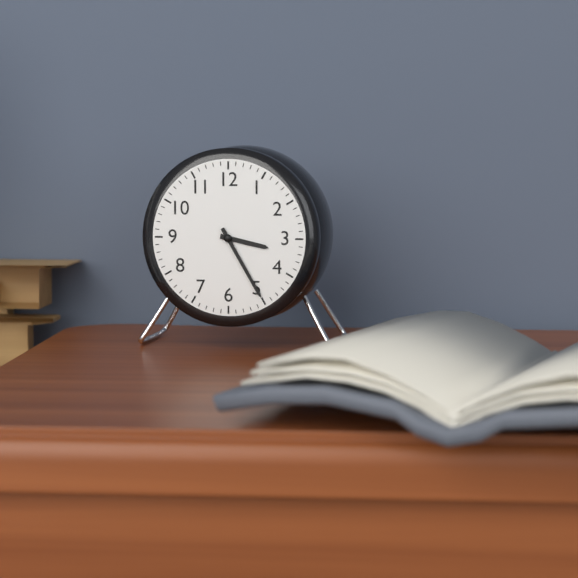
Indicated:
3:25
